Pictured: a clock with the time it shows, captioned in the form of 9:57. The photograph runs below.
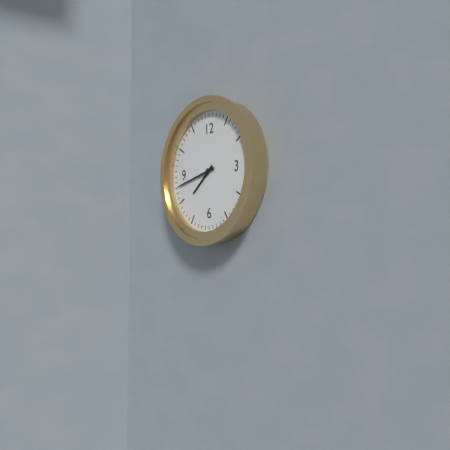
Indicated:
7:43
